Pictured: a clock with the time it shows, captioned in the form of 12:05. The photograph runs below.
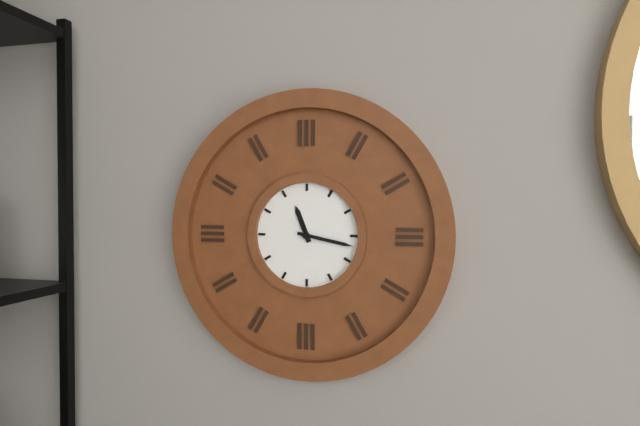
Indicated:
11:17
